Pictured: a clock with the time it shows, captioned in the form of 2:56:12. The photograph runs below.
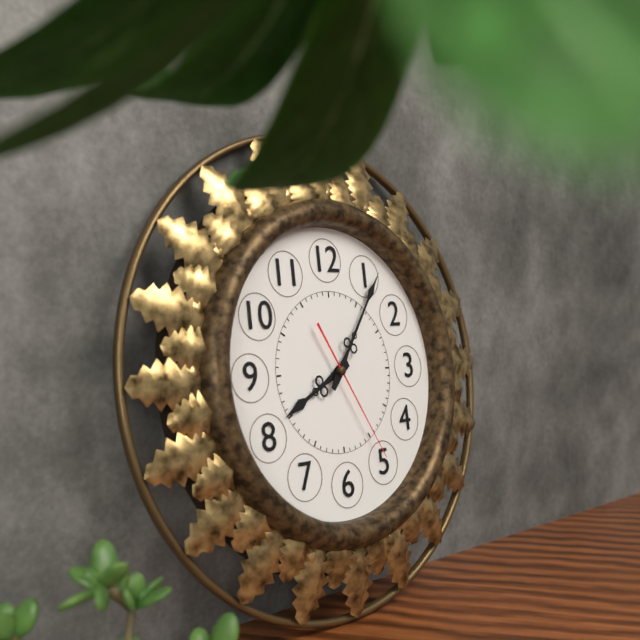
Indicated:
8:06:25
